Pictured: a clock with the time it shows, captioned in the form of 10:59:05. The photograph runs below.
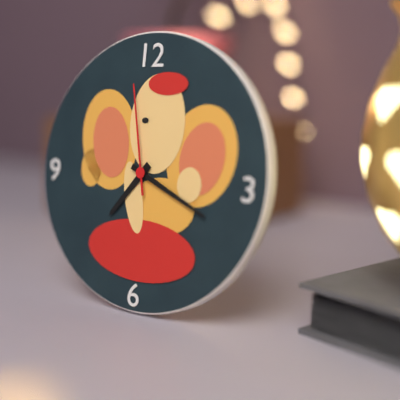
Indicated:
7:19:58
